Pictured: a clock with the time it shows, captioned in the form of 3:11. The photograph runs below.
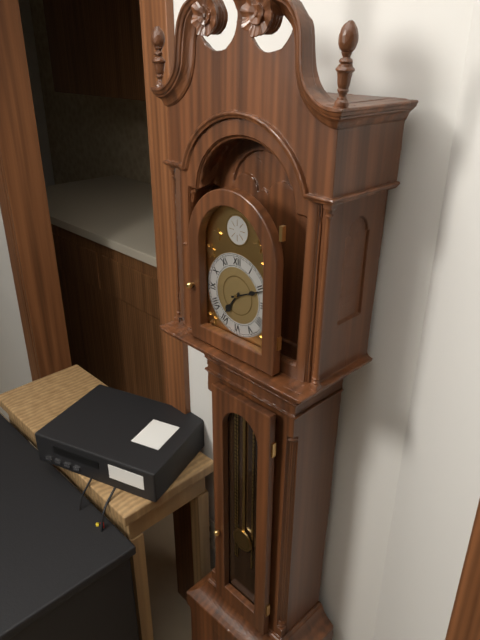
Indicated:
7:11
